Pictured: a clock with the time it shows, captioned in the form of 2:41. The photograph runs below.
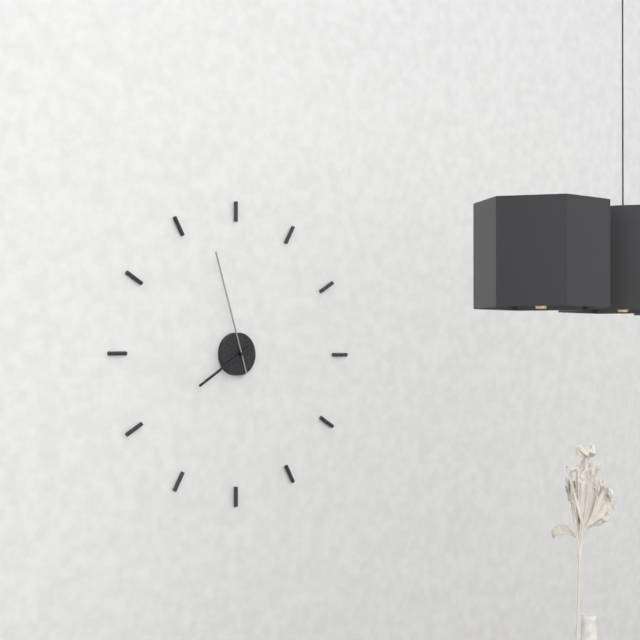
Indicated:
7:57
